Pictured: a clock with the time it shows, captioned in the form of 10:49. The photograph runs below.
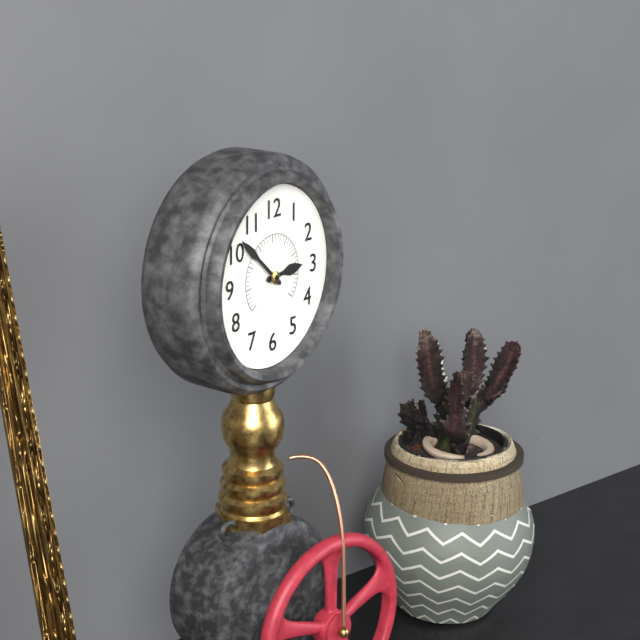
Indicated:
2:52
